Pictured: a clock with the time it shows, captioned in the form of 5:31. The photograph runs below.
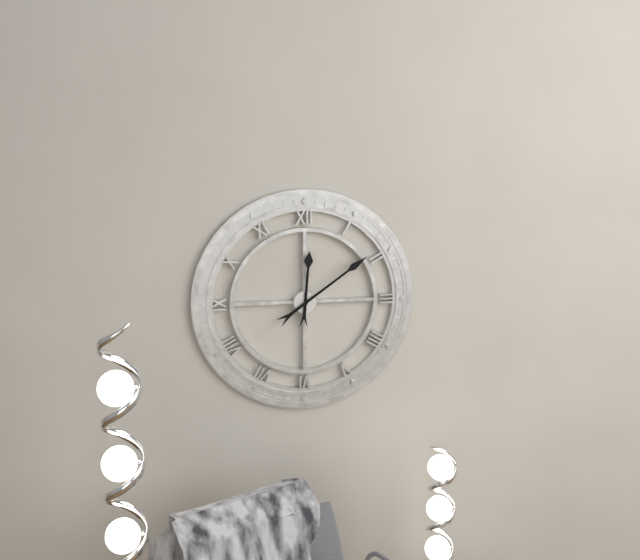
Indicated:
12:09
